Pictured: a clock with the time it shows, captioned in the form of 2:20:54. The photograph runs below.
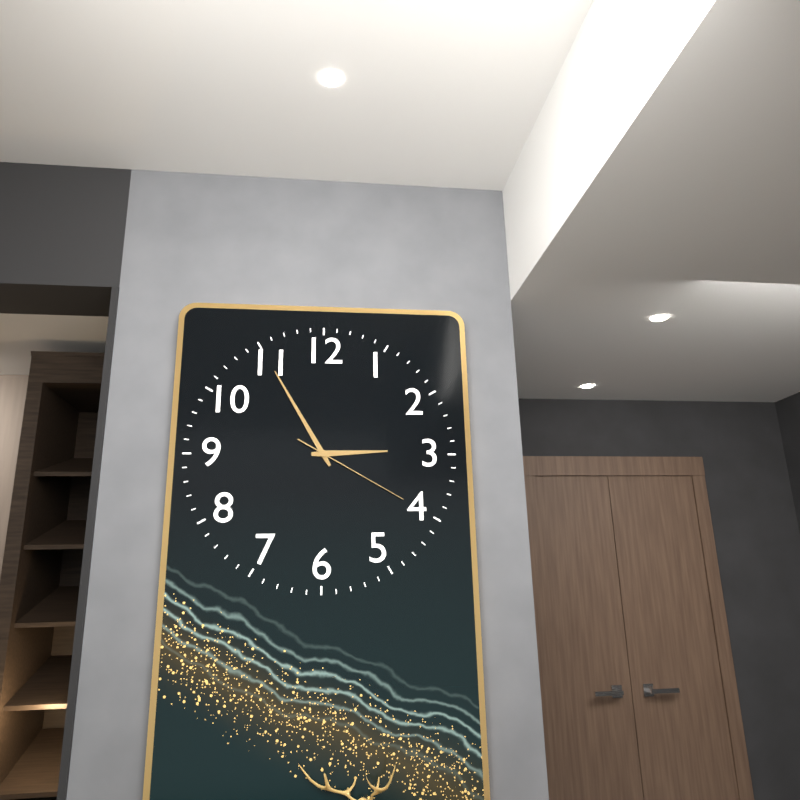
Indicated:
2:55:20
